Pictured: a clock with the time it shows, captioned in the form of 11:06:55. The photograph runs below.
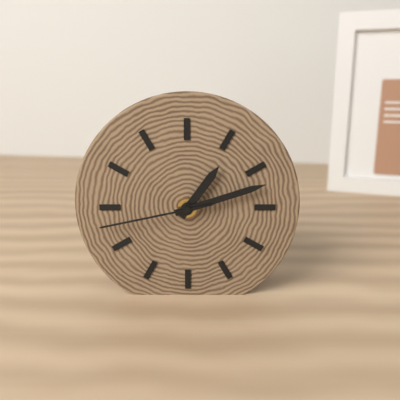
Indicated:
1:12:43
